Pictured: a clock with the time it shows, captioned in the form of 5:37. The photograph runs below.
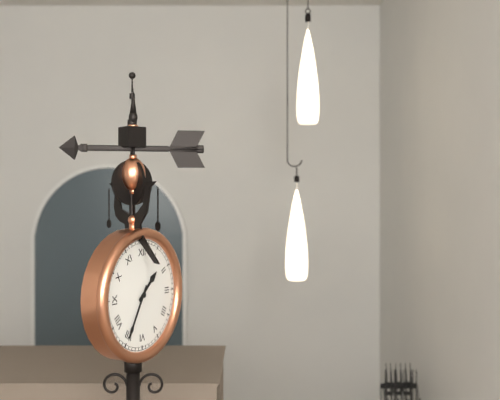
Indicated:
1:35
